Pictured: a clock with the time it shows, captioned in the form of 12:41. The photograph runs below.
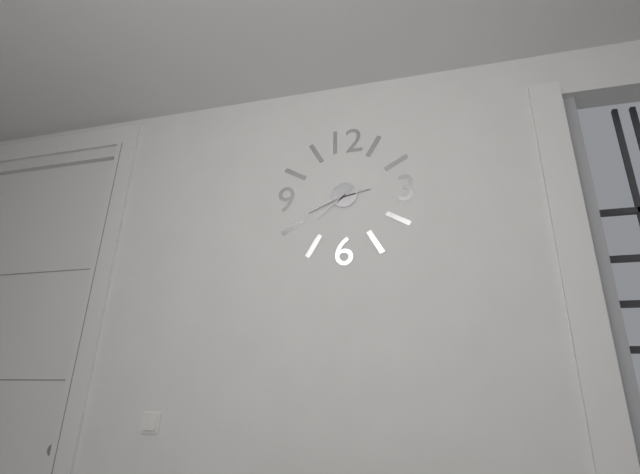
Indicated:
2:41
